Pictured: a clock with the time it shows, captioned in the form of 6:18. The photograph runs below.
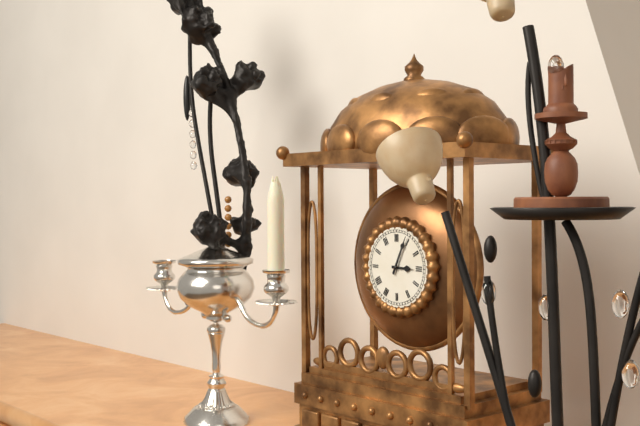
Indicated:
3:04
